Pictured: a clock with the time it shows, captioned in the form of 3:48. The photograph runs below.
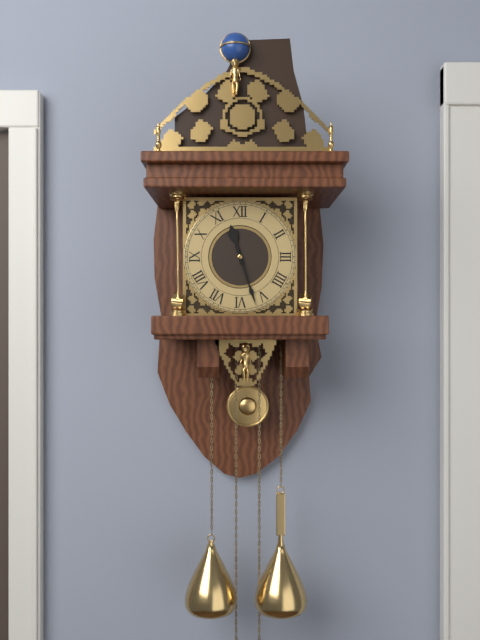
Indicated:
11:27
